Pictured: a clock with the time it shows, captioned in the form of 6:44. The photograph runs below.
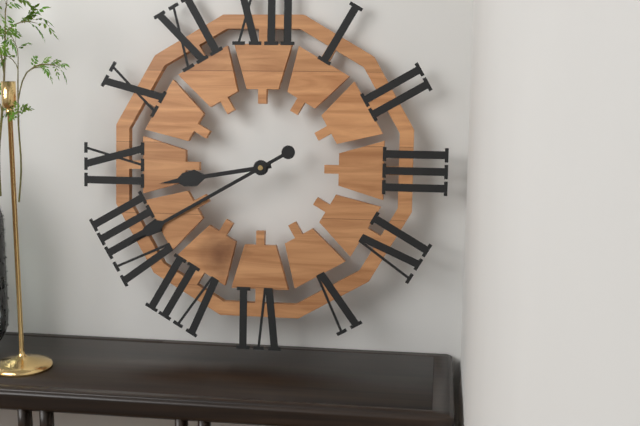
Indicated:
8:40
